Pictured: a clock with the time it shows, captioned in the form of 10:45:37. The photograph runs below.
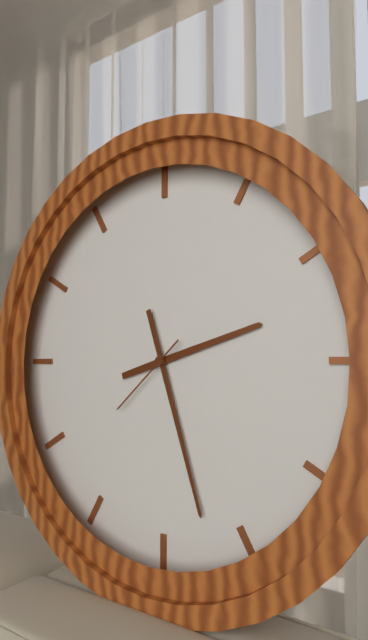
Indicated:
2:27:38
